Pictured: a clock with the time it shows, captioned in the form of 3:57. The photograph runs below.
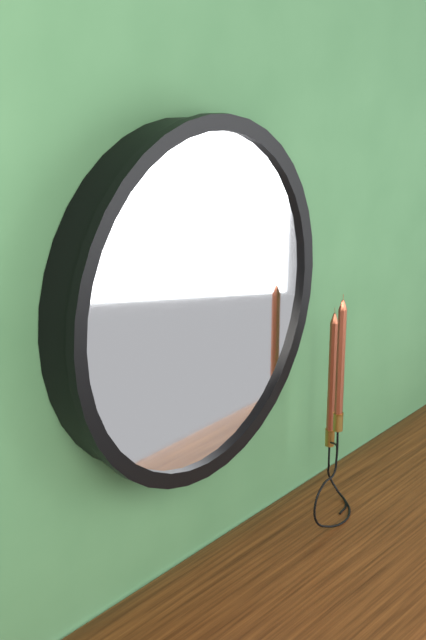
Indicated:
5:47
